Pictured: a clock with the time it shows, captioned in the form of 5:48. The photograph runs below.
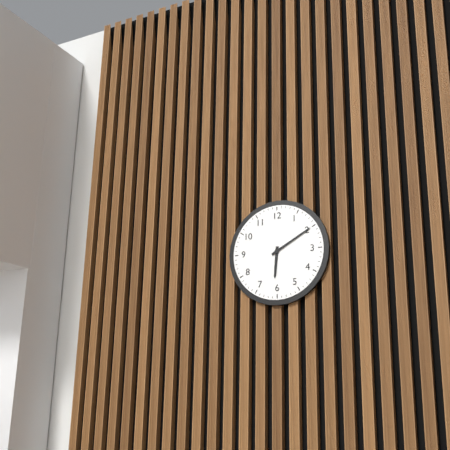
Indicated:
6:10
